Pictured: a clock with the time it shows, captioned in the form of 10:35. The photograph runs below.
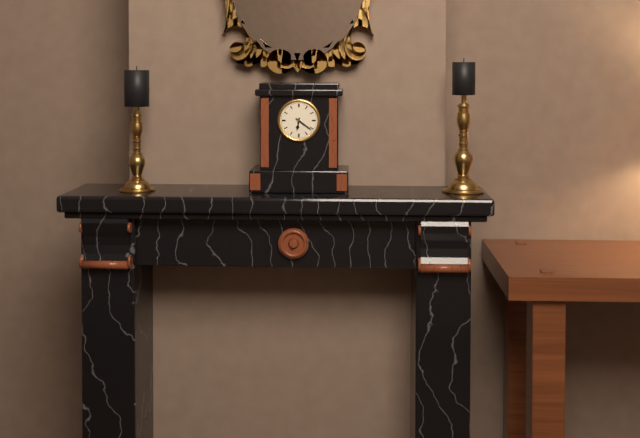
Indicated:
6:21
